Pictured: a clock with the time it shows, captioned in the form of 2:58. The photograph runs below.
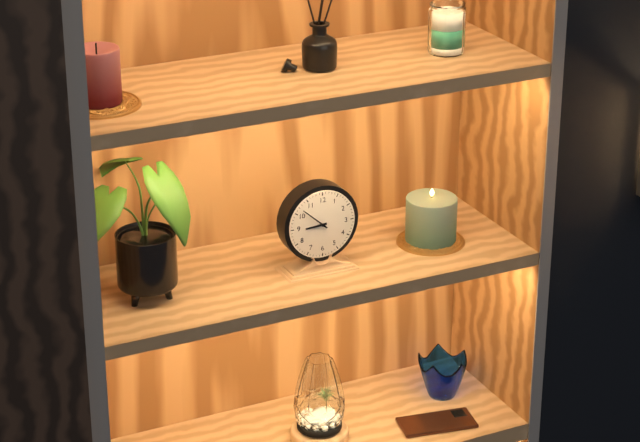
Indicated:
8:52
